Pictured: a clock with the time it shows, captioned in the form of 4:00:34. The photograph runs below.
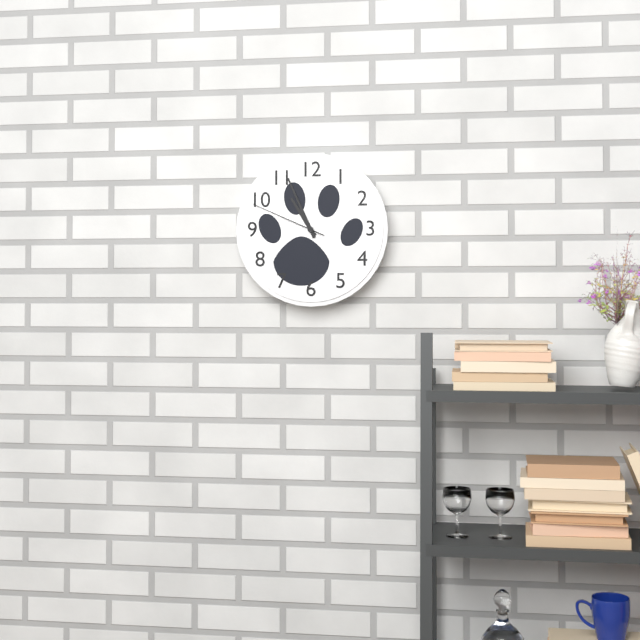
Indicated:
10:56:49
